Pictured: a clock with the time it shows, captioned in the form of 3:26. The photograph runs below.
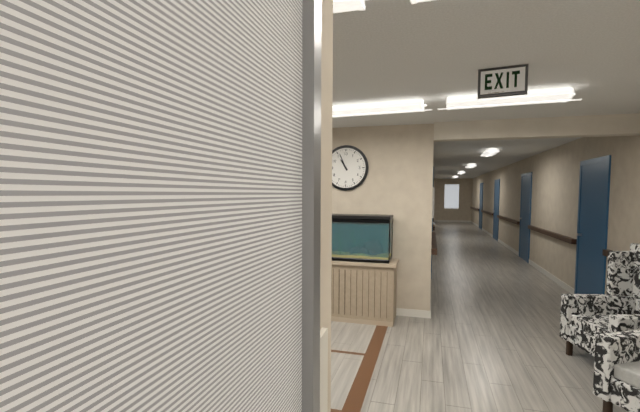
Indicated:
10:56
